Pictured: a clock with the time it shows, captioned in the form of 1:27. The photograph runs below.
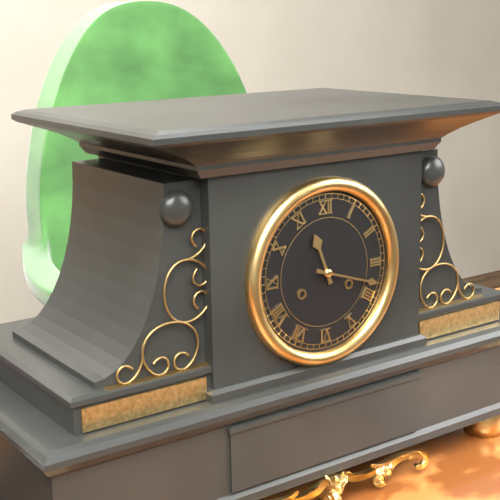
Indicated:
11:18
